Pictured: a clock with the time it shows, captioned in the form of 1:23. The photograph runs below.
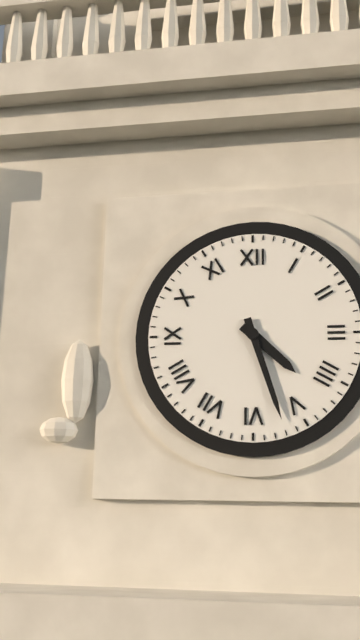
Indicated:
4:27
